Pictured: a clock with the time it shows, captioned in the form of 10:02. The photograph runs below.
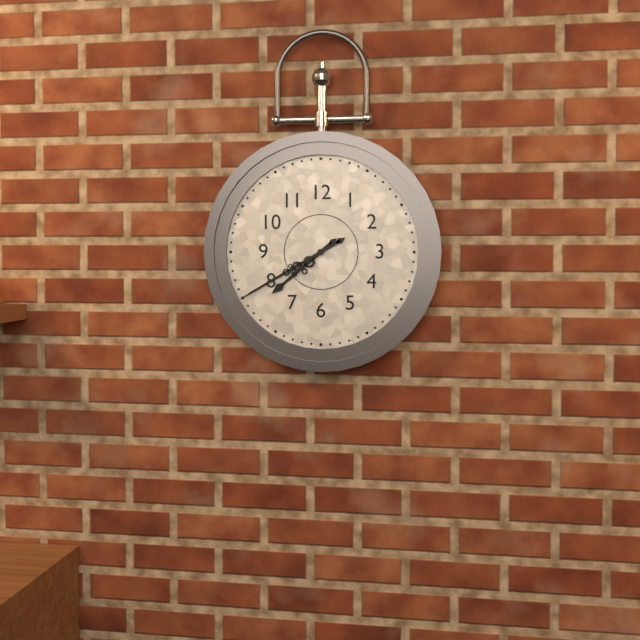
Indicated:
7:40
